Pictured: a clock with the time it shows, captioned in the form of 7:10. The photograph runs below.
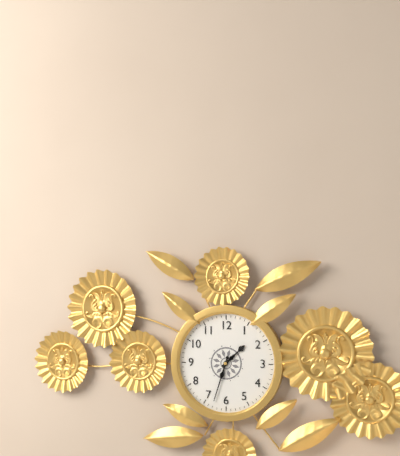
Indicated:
1:33
